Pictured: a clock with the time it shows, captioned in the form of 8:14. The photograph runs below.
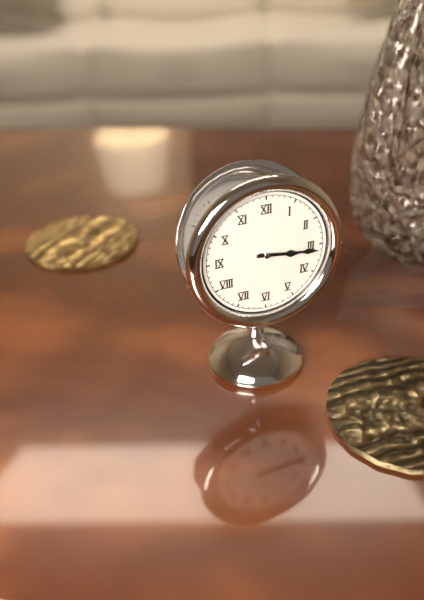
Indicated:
3:16
